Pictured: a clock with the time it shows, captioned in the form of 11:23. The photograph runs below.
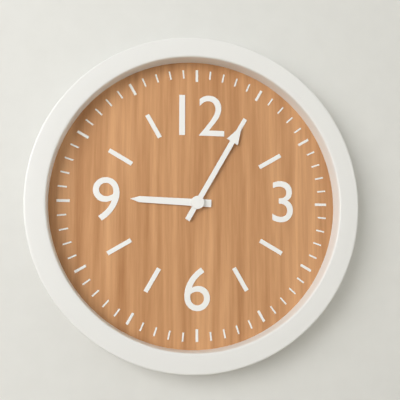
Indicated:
9:05
